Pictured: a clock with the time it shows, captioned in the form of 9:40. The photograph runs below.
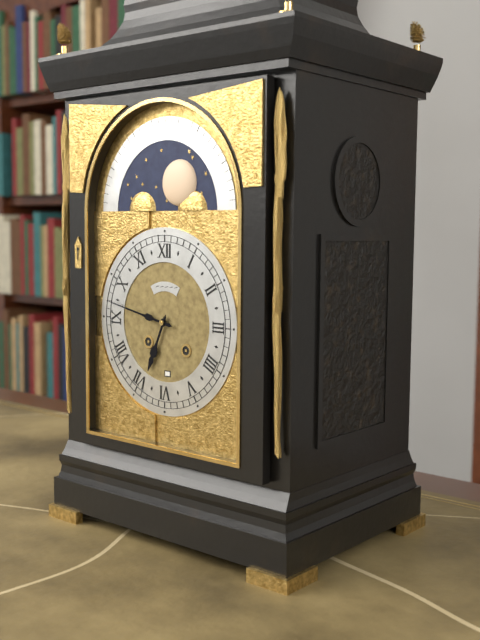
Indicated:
6:47
